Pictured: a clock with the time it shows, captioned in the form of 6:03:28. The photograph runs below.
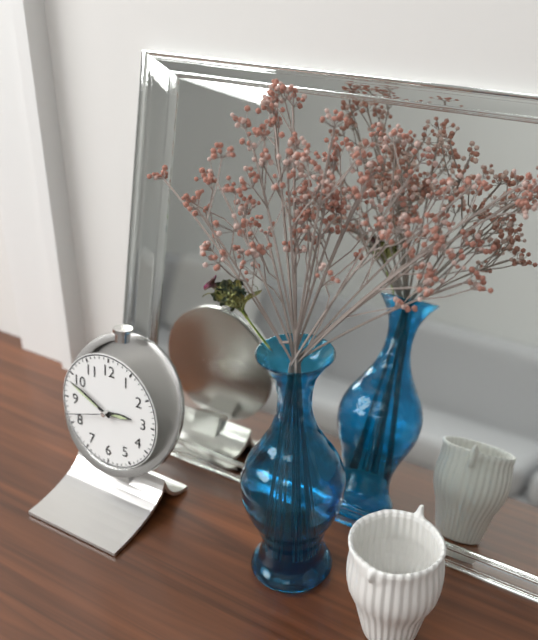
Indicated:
2:49:42
